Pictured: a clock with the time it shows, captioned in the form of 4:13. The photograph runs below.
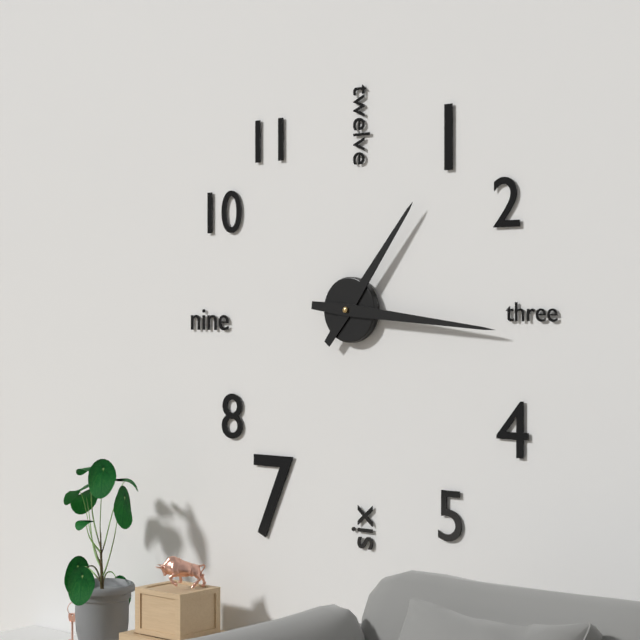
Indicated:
1:16
